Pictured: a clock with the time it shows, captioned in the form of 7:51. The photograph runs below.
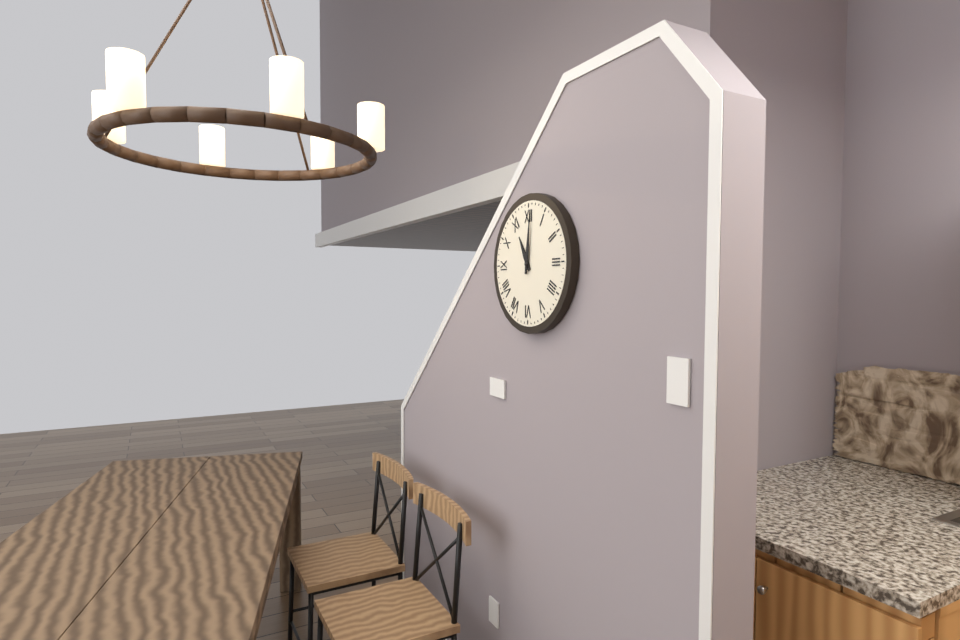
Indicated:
11:01
